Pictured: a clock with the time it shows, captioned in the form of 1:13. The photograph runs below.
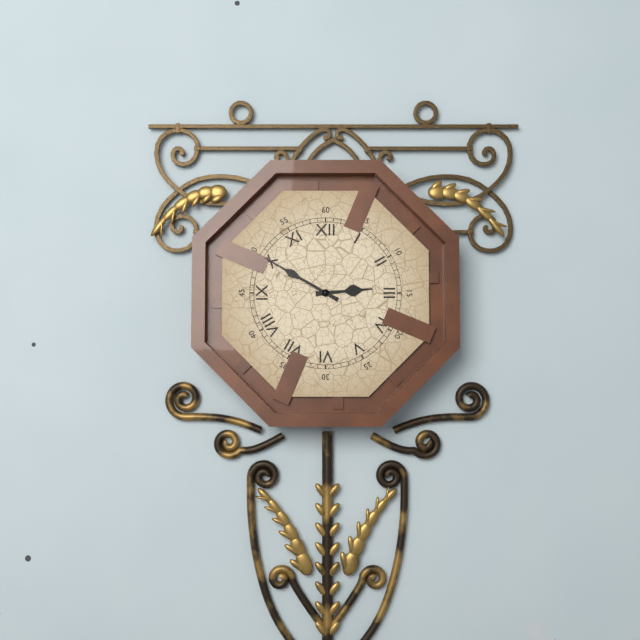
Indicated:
2:50
